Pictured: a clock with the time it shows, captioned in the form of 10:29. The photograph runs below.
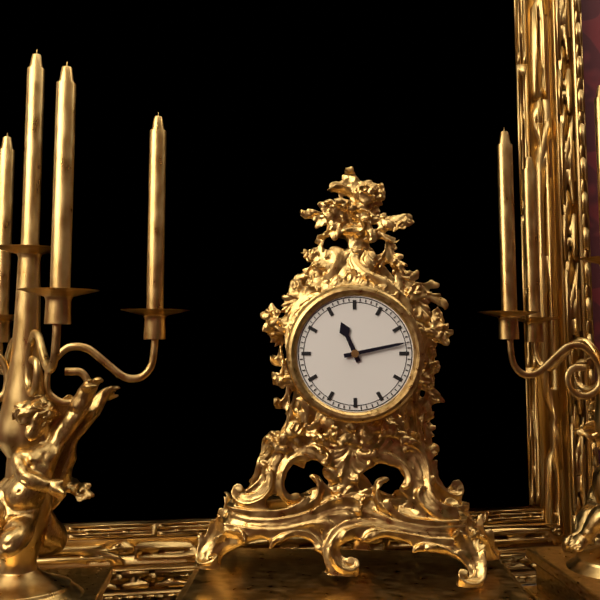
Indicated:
11:13
